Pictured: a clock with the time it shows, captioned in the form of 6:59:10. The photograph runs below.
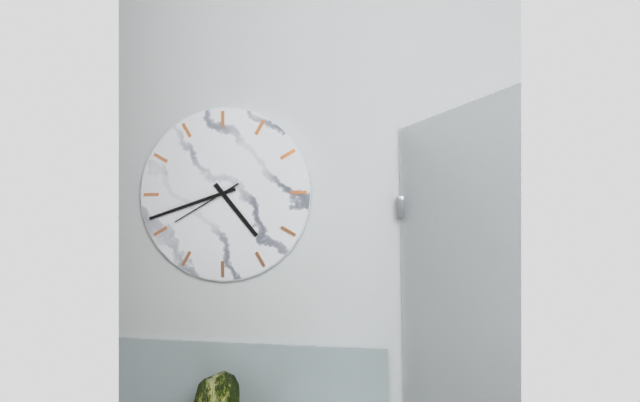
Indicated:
4:42:40
